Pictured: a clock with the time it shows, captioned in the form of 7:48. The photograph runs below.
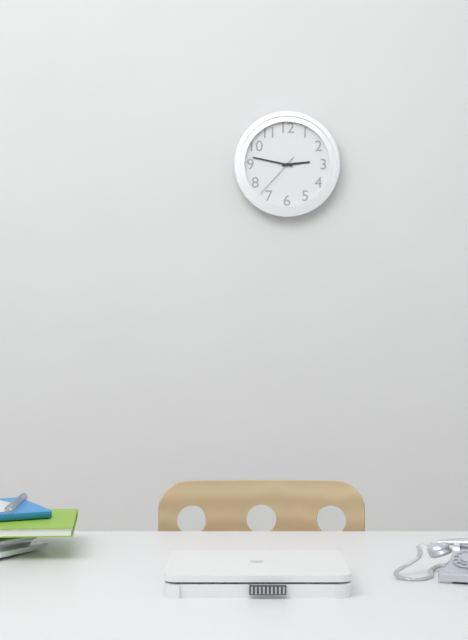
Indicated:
2:47
